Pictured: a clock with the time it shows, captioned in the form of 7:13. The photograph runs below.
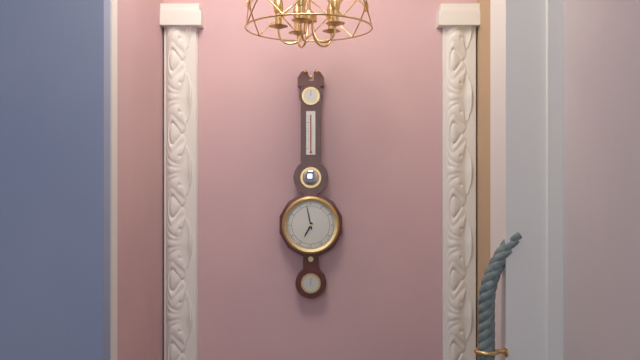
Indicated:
6:58
